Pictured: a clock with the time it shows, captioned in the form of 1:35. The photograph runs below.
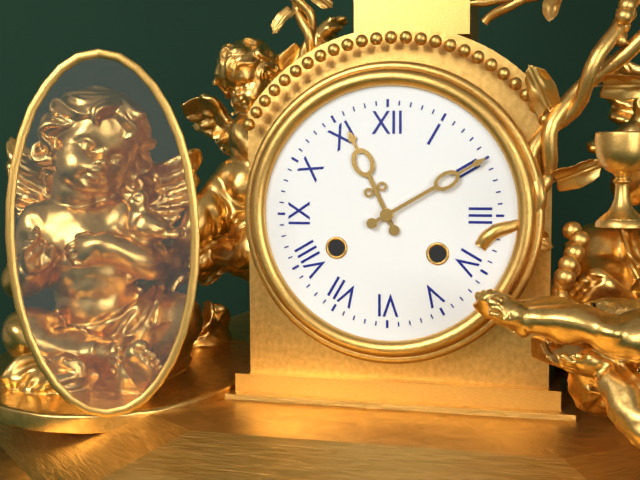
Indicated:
11:10
